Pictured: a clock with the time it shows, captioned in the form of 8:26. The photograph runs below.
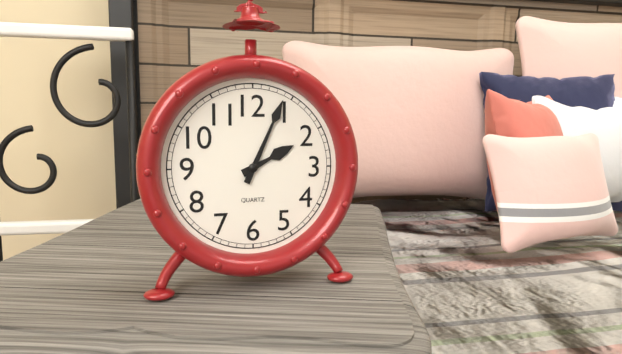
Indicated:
2:04
